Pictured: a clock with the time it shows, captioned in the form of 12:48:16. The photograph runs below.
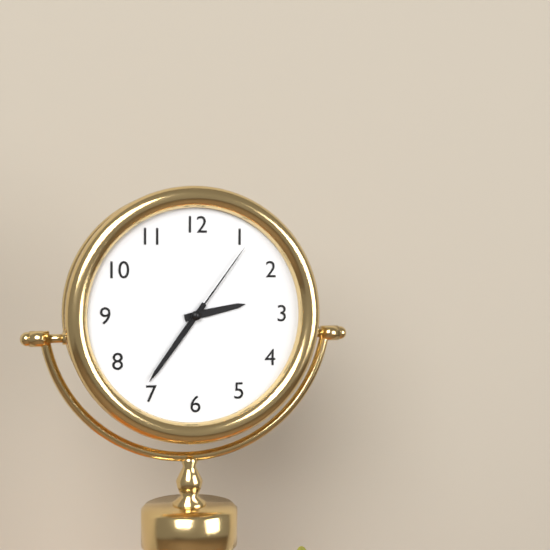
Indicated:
2:36:06
